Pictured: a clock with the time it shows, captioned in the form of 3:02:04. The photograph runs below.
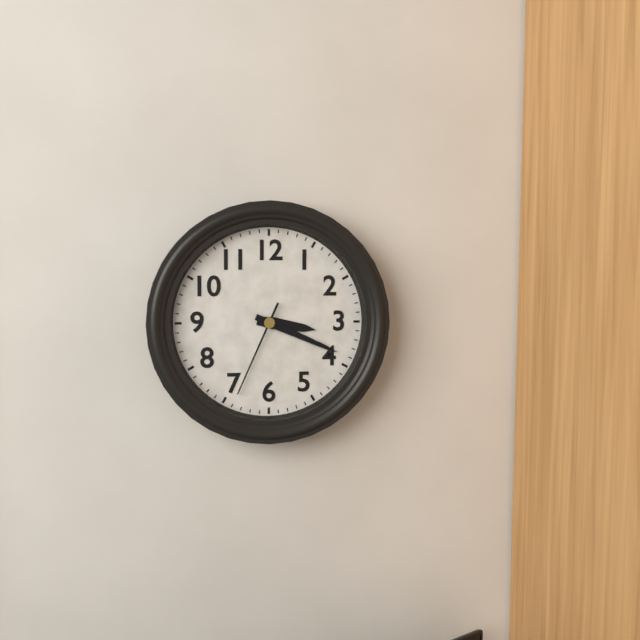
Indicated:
3:19:34
